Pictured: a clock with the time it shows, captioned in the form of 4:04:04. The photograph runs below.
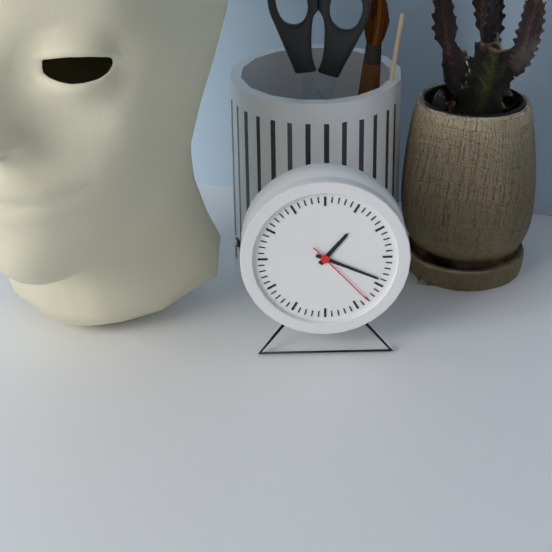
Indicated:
1:19:23
